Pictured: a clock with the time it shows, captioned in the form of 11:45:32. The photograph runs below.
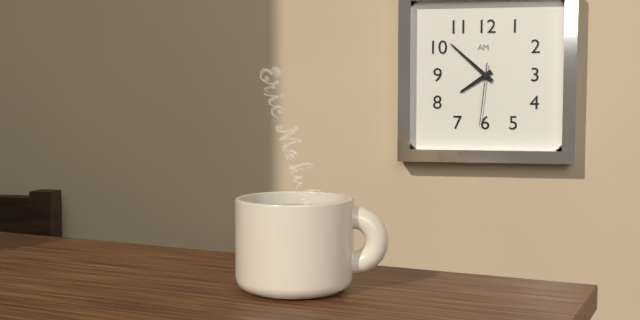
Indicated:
7:52:31
